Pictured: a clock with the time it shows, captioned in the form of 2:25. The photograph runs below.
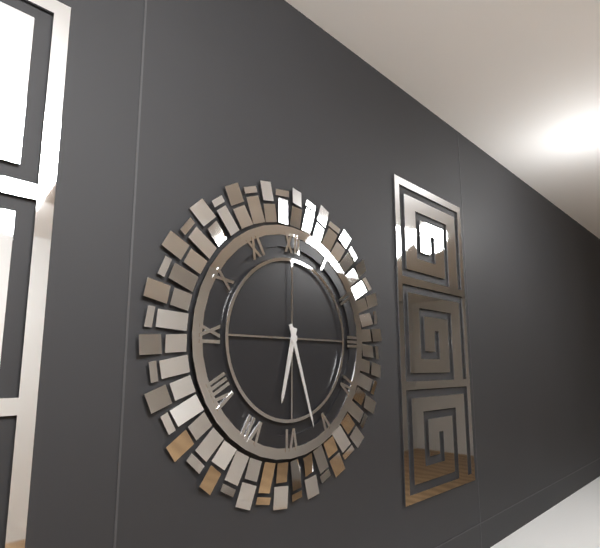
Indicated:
6:27
